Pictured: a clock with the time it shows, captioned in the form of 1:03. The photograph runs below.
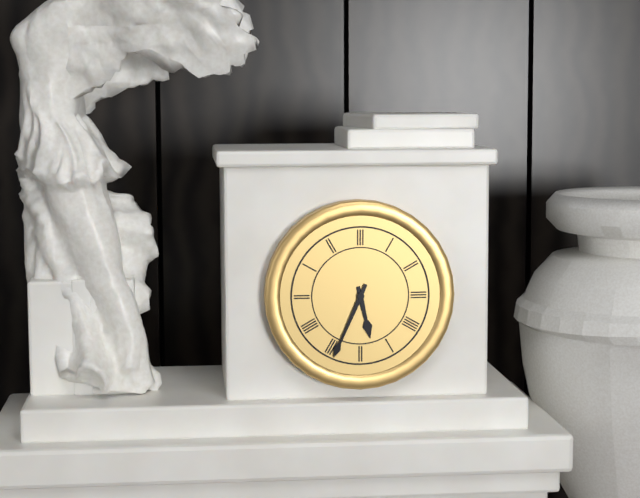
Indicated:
5:34
